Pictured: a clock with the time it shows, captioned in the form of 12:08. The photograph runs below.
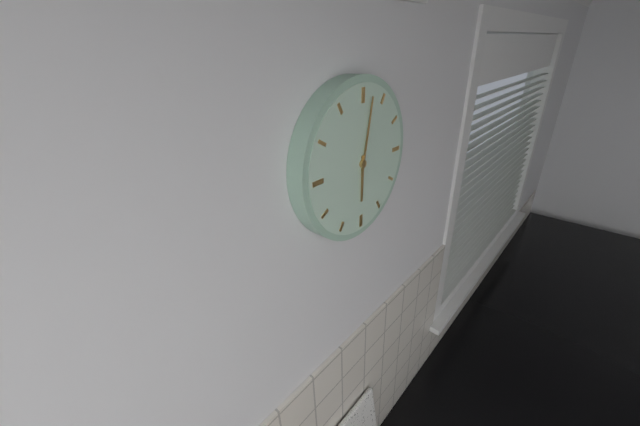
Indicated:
6:02
